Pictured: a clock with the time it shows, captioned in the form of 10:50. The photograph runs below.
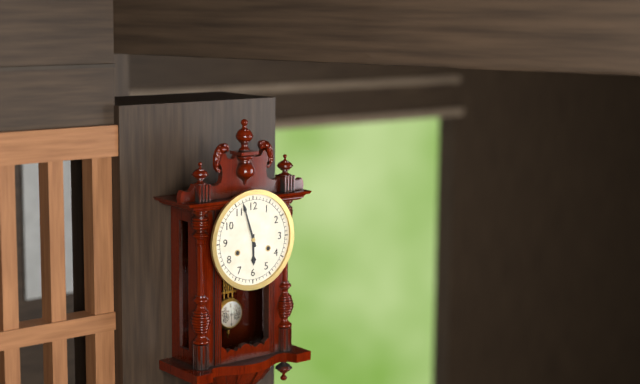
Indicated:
5:57
